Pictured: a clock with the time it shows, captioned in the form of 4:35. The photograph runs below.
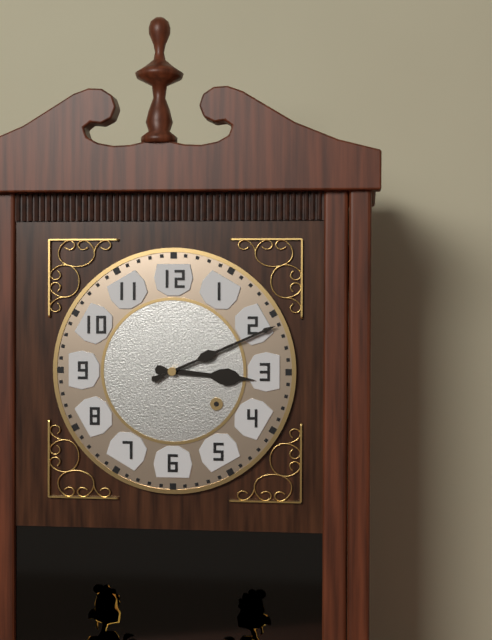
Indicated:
3:11
